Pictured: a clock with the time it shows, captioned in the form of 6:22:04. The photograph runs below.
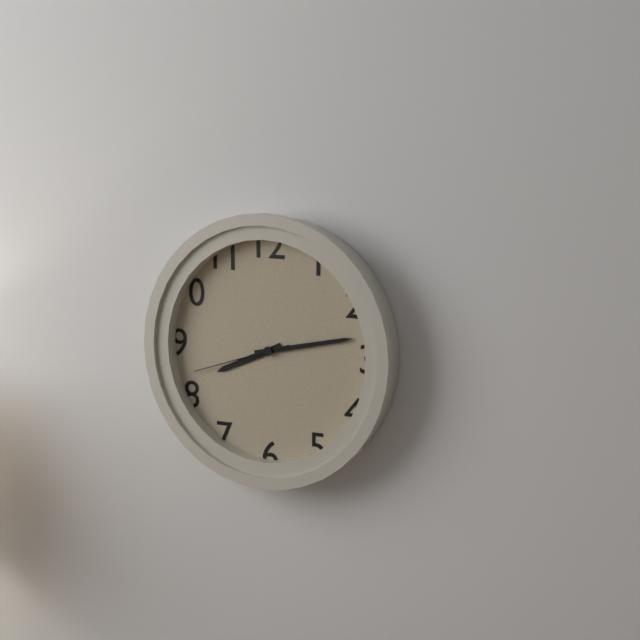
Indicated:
8:13:42
